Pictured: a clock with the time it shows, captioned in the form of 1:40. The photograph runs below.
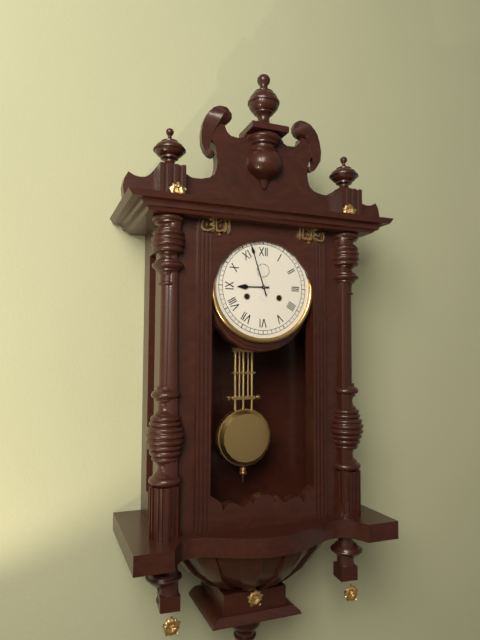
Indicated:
8:57
